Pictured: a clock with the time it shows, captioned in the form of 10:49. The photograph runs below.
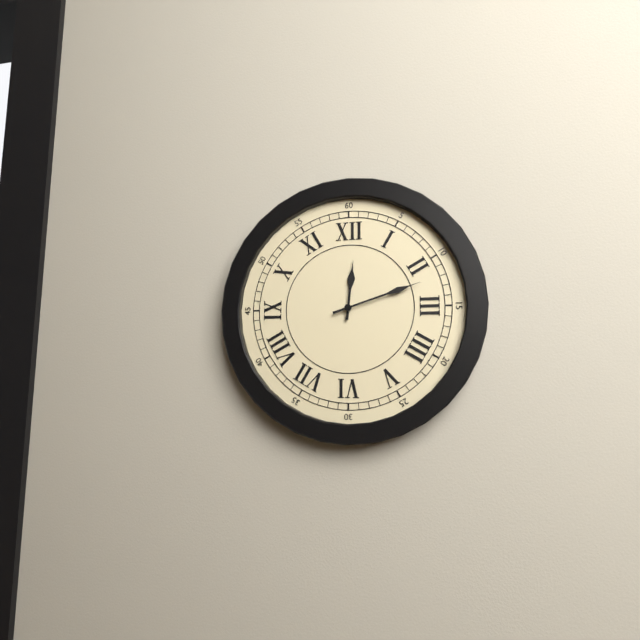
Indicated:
12:12
